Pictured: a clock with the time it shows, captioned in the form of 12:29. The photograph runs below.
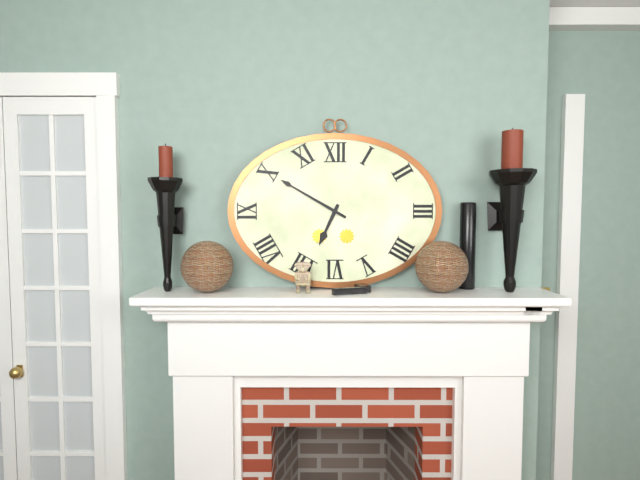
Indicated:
6:50
